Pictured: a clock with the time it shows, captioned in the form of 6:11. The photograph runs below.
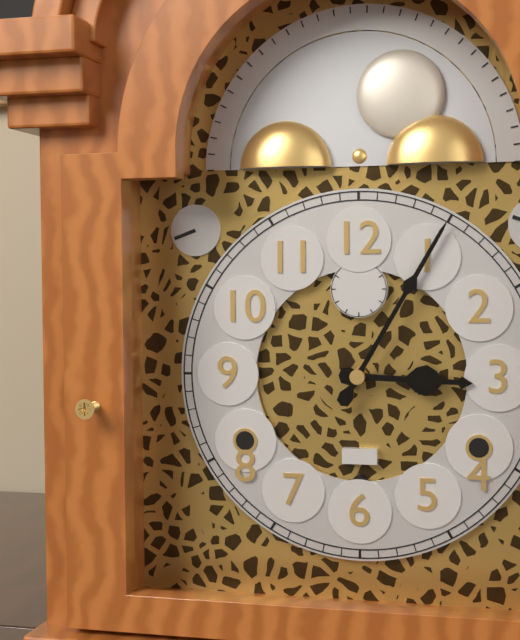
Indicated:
3:05
